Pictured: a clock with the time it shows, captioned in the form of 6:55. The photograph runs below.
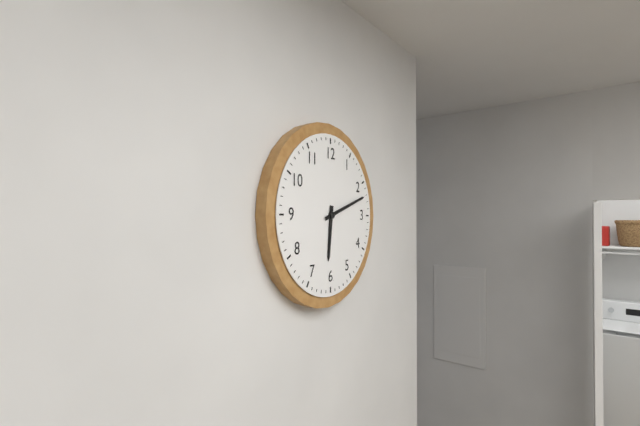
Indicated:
6:12
